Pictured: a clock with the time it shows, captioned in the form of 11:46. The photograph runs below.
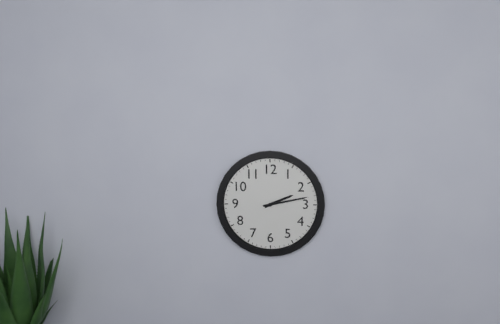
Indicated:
2:13
